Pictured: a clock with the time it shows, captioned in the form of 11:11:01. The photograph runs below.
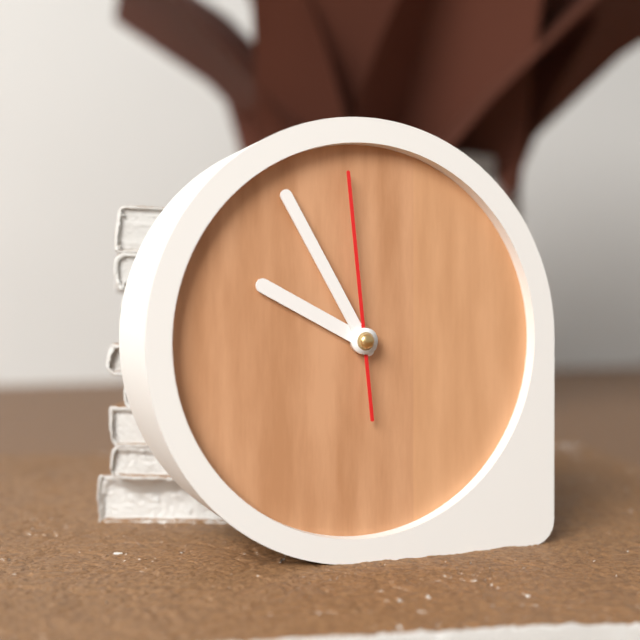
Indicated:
9:55:59
